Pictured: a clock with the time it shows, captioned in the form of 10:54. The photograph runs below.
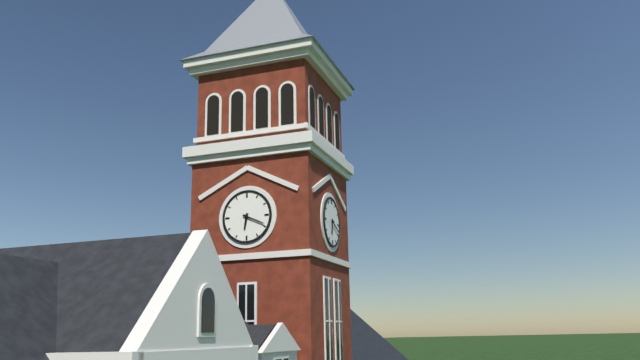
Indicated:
6:19
